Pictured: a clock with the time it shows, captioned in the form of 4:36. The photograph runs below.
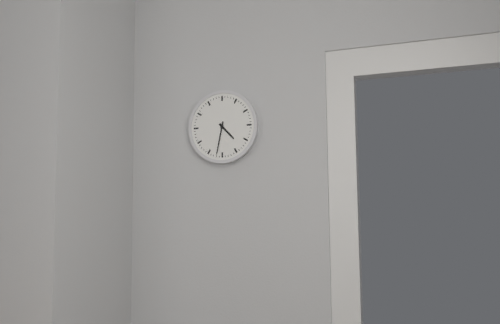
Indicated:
4:32
